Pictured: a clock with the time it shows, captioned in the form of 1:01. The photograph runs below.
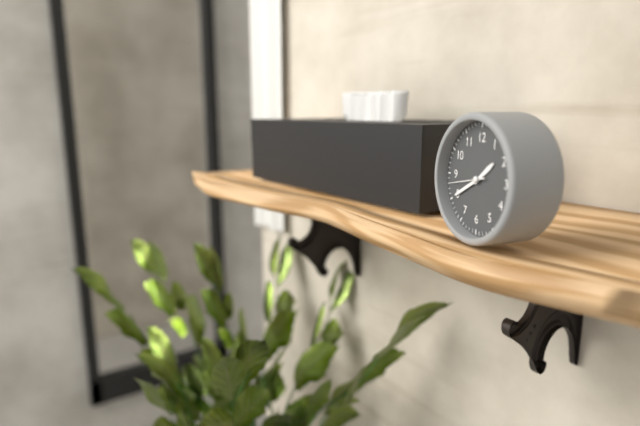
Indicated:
1:40
